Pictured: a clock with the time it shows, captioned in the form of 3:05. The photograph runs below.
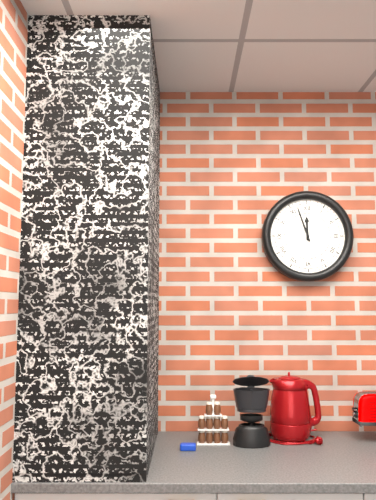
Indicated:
11:57
